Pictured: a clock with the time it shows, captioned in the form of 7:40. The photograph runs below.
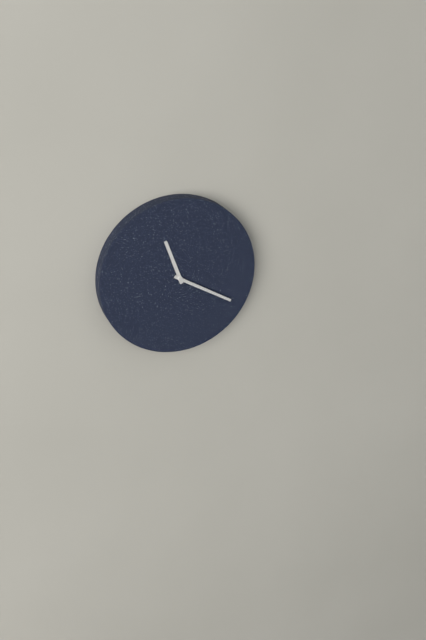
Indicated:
11:20
